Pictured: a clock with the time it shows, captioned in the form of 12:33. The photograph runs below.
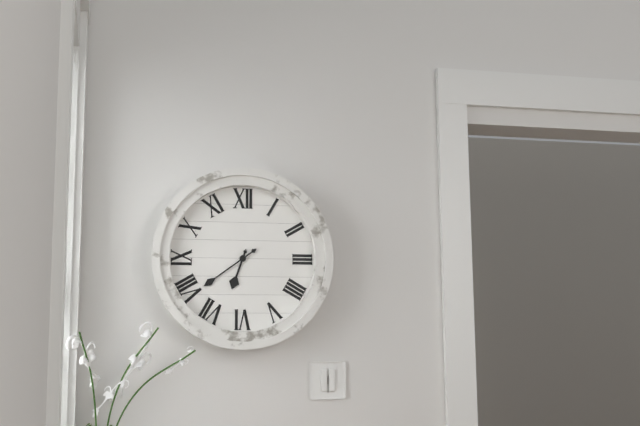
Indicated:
6:39
